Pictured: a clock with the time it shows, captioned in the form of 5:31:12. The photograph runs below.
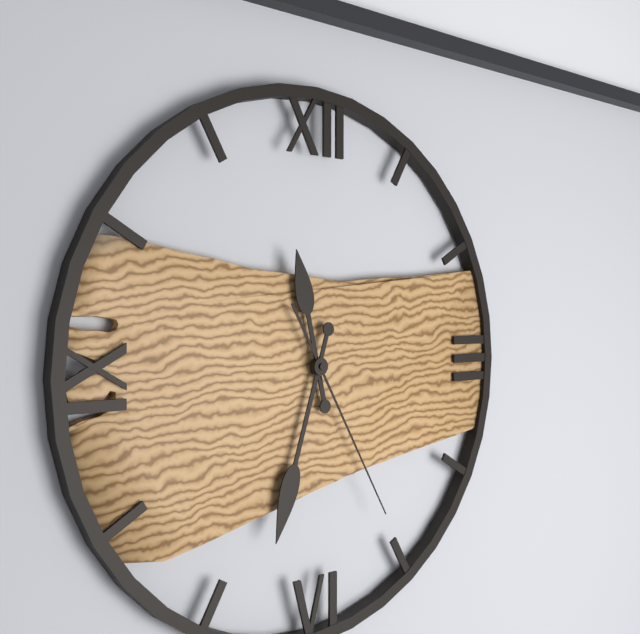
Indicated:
11:33:25
